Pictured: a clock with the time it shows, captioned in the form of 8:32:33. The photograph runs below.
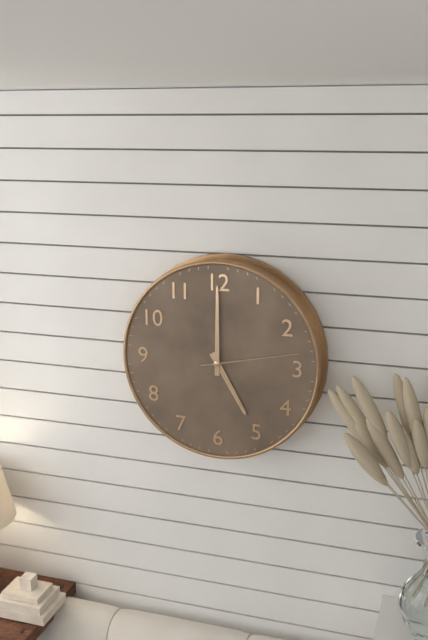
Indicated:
5:00:13
